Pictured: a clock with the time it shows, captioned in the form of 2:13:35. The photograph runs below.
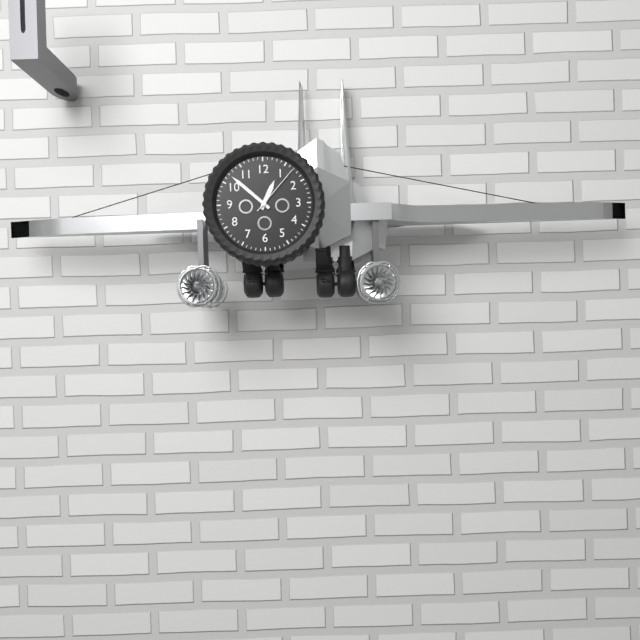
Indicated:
12:52:07
